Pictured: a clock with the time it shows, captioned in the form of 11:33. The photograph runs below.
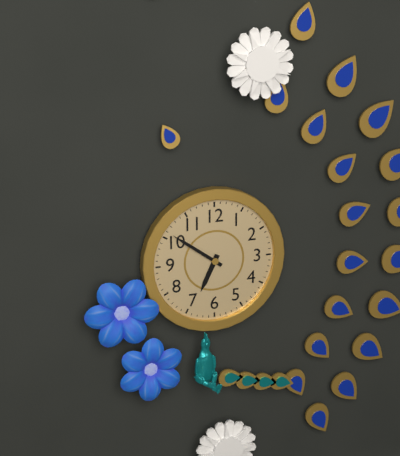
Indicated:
6:51
